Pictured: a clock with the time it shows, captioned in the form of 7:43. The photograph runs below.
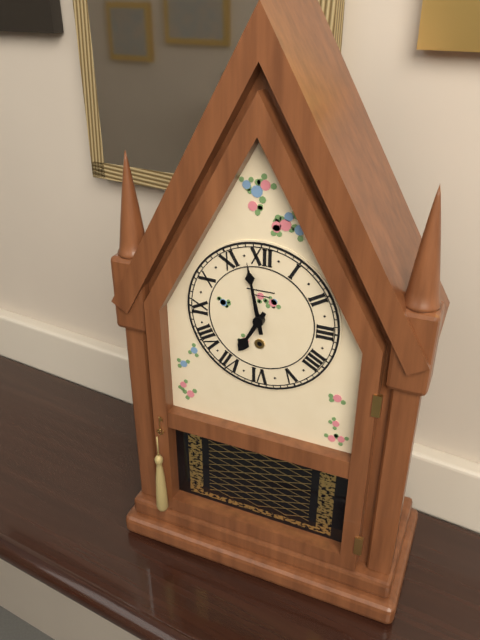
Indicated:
6:58
